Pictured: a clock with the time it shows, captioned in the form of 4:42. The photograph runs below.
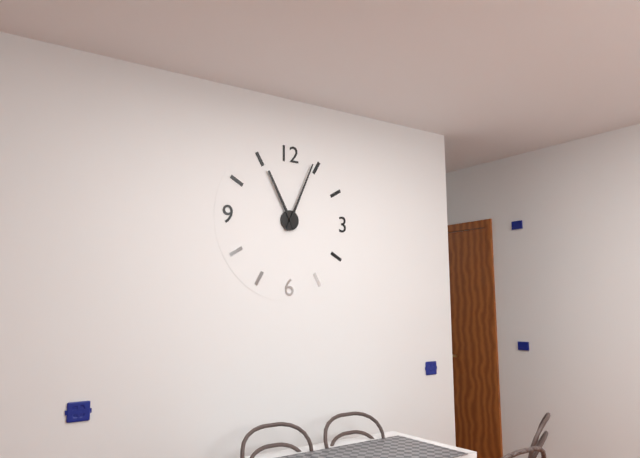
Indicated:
11:04
